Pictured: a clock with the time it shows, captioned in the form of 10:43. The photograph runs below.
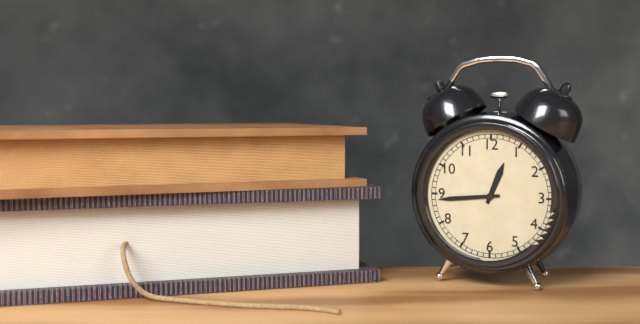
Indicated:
12:44
